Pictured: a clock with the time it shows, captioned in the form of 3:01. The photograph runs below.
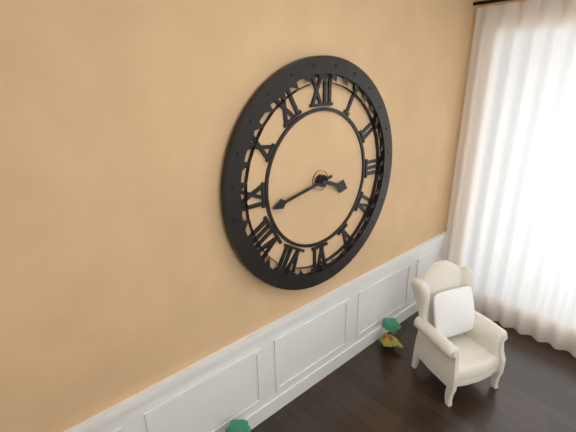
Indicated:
3:43
